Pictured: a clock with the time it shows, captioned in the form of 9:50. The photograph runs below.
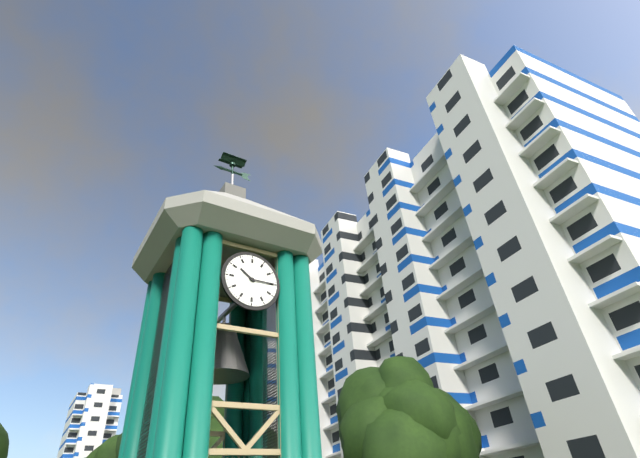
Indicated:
10:15
